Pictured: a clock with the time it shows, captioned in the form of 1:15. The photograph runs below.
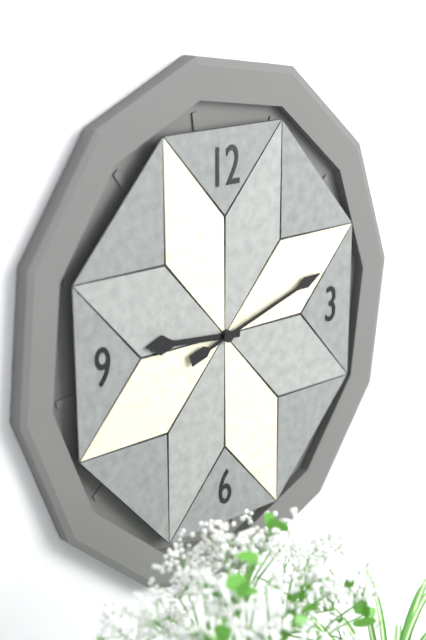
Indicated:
9:12
